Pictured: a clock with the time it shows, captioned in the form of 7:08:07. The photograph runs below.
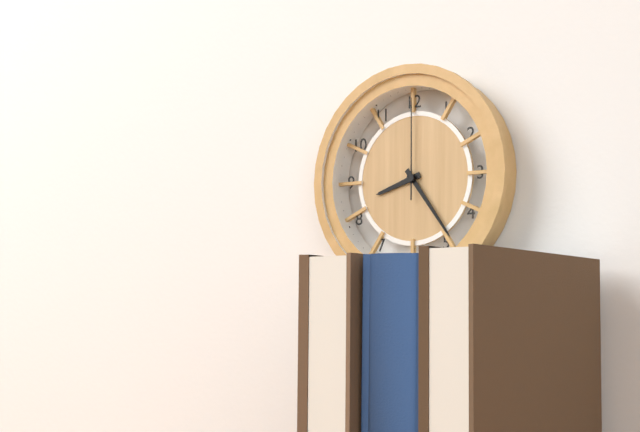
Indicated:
8:24:00
